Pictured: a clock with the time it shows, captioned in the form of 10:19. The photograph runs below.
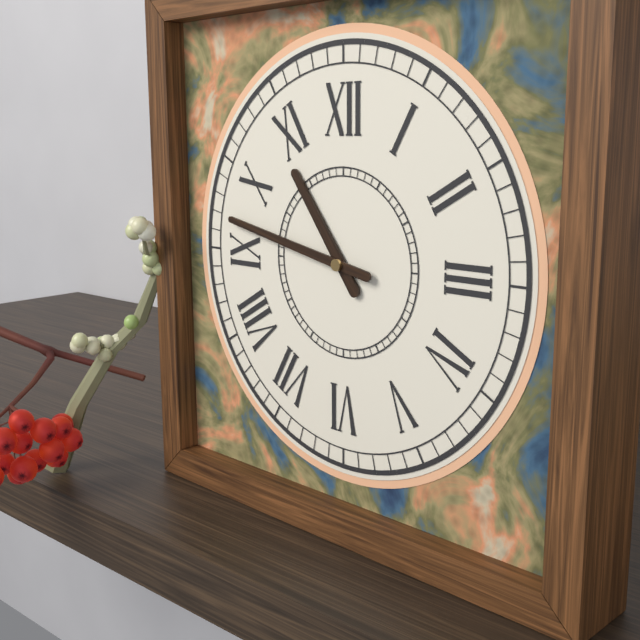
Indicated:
10:47
